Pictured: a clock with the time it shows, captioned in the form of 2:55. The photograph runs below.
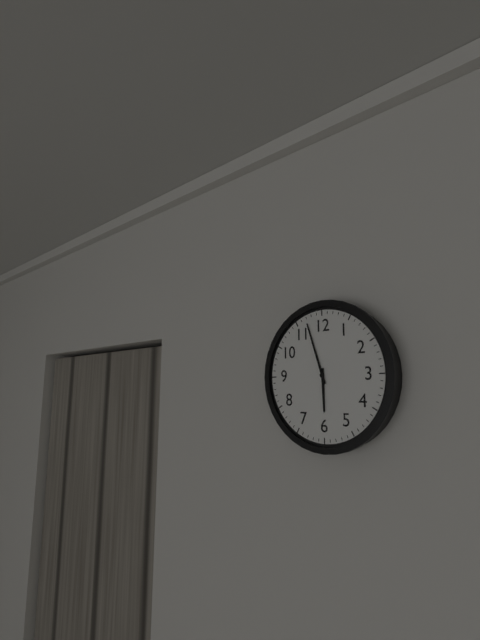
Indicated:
5:57
